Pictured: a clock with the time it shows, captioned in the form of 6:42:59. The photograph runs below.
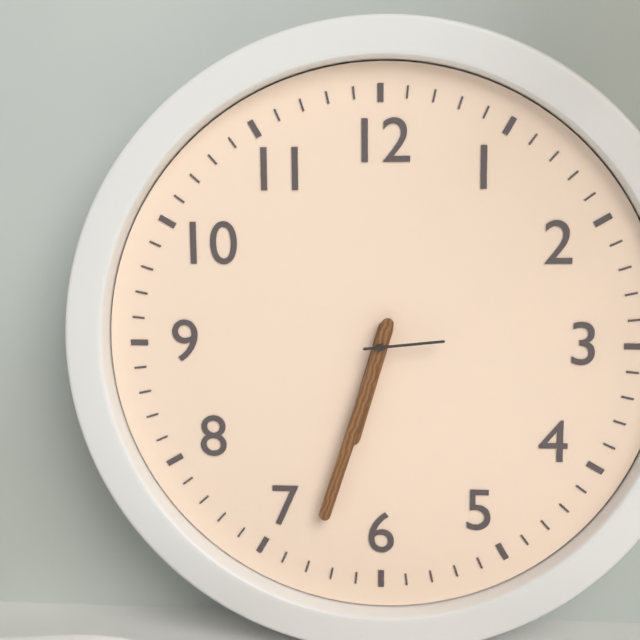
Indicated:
6:33:14
